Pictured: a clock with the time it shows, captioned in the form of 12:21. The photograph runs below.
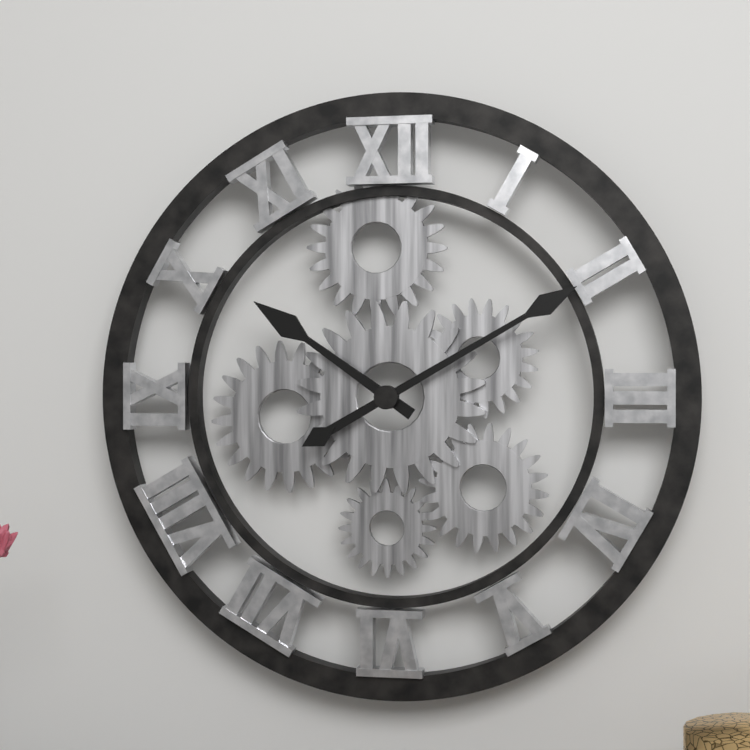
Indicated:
10:10
